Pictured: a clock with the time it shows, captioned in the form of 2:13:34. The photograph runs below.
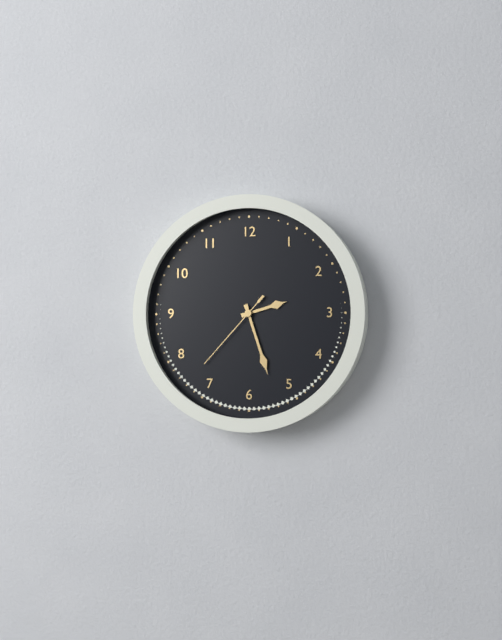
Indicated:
2:27:37
